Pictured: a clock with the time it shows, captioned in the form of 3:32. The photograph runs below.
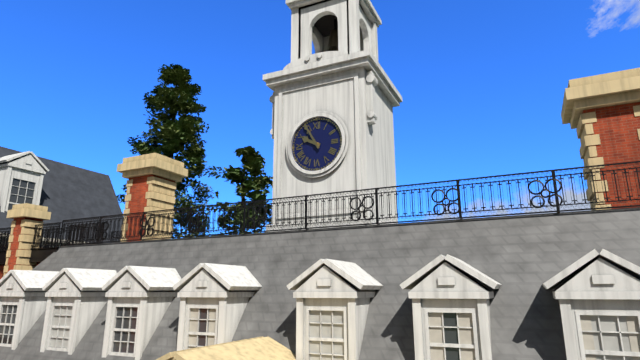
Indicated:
9:55
